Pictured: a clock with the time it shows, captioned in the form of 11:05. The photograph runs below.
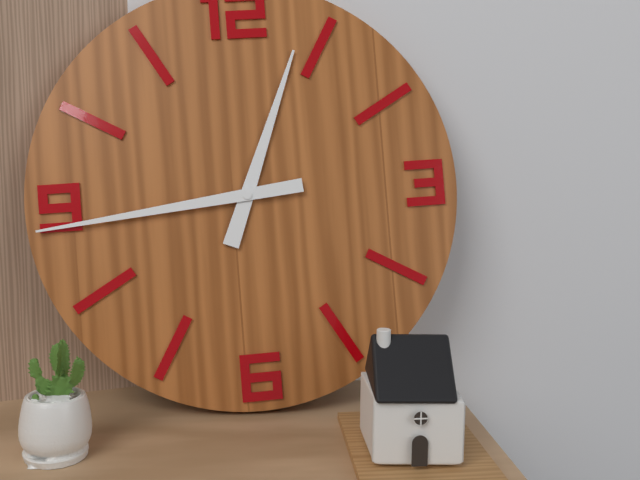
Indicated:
12:44
